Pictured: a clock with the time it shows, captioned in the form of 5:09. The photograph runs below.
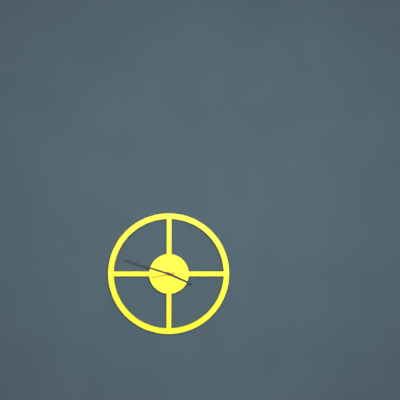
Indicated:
3:48
